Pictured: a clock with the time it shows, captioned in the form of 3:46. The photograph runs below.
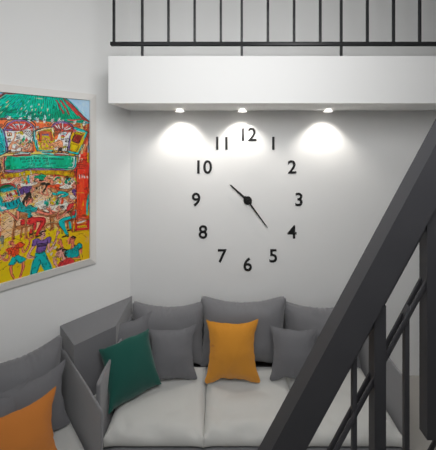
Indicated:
10:24
